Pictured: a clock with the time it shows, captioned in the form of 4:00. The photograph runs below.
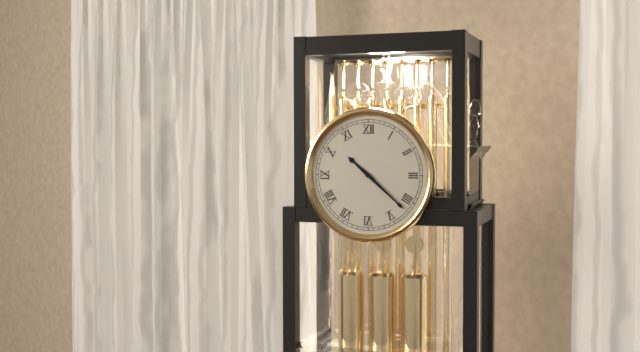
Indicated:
10:22
